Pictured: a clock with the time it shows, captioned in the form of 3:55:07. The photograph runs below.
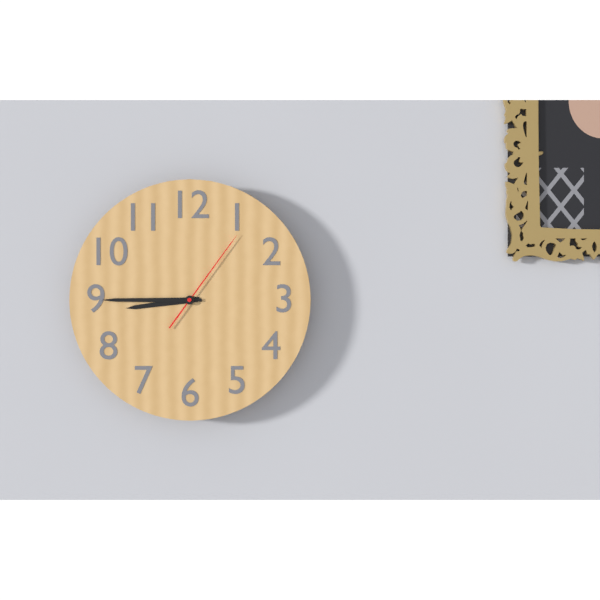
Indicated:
8:45:06
